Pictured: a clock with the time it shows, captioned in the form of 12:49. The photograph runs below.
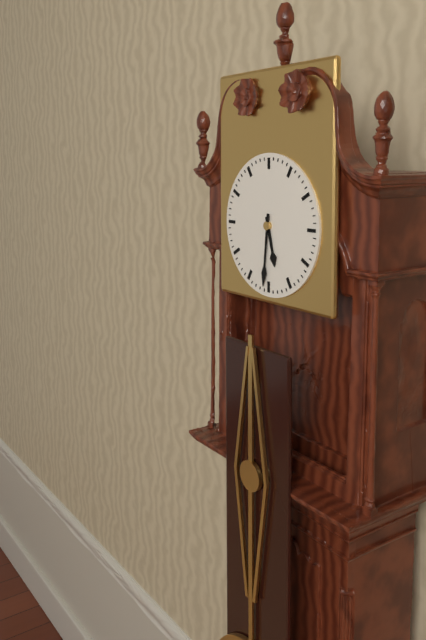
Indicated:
5:31
